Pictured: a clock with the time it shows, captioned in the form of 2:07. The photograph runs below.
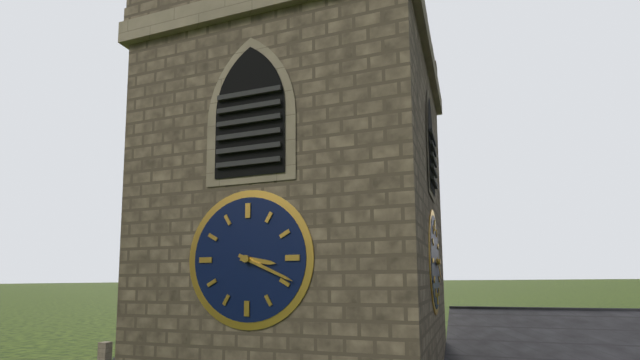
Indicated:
3:19
